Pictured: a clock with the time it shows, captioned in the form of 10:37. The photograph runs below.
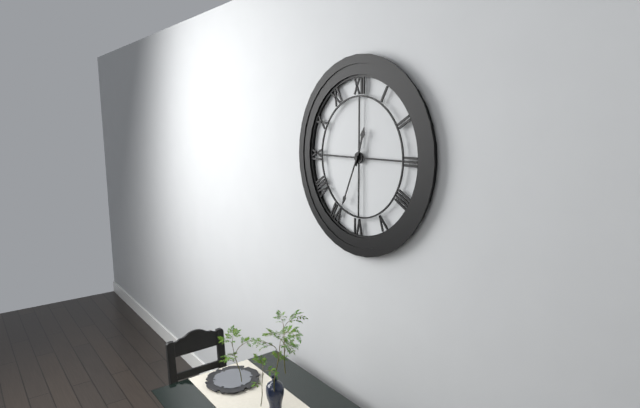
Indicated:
12:34
